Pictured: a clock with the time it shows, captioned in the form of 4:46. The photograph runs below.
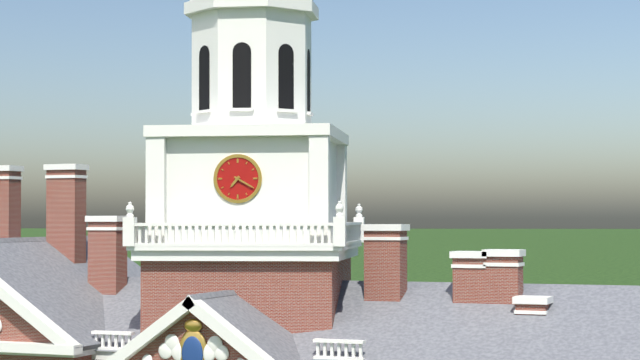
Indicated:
7:20
